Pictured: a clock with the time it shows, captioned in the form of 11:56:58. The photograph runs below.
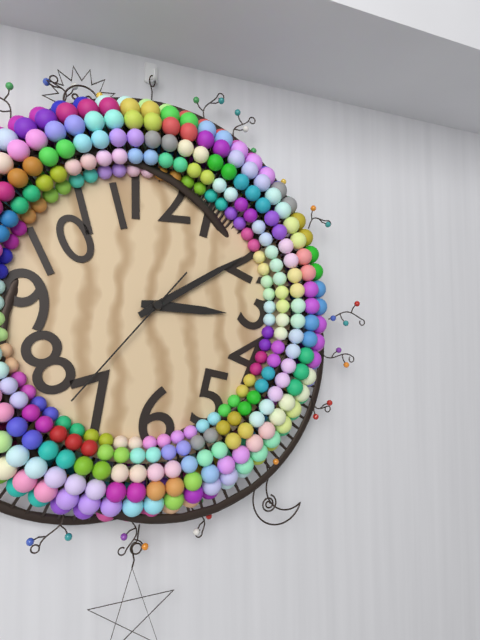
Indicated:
3:10:37
